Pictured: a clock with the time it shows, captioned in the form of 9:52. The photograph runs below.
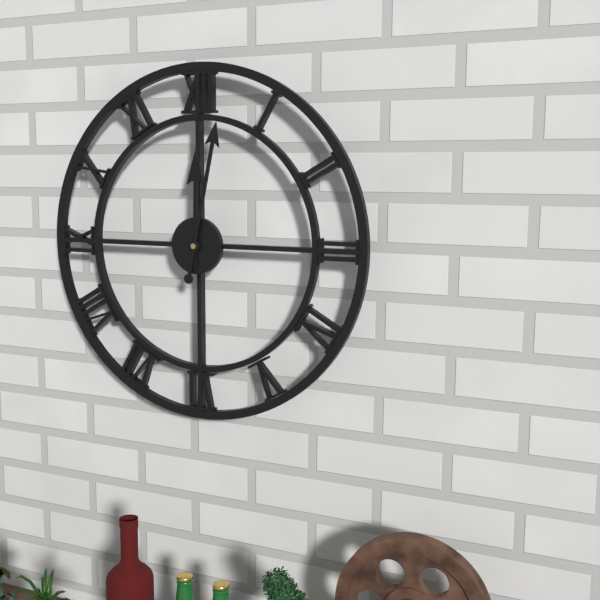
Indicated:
12:02
